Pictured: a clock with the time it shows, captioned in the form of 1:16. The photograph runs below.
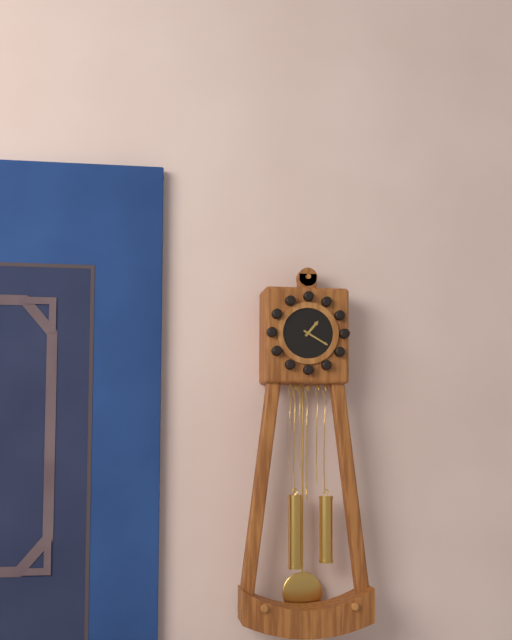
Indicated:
1:20
